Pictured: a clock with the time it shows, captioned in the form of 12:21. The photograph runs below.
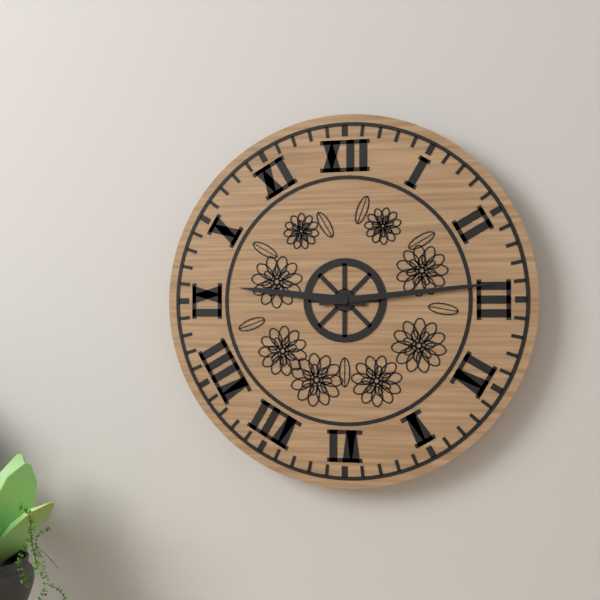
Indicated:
9:14
